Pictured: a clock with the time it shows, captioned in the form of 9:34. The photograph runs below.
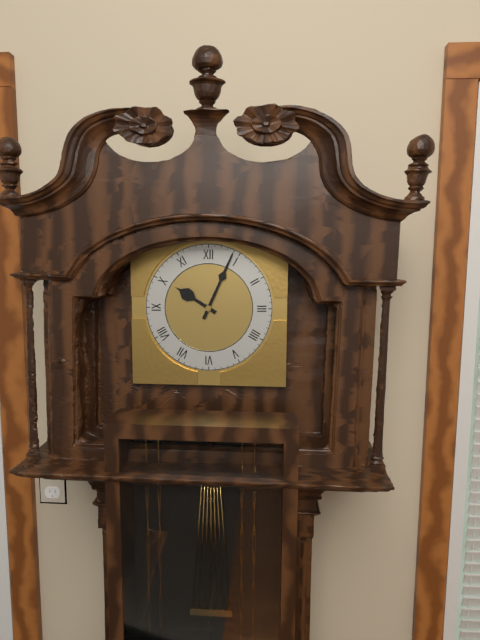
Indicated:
10:04
